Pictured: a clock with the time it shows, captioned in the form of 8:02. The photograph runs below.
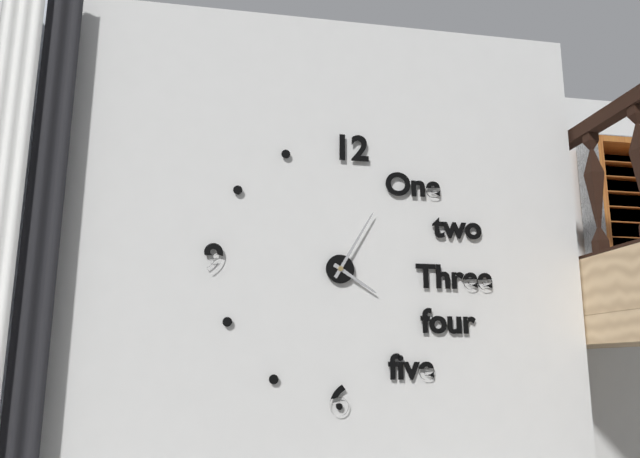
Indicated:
4:05
